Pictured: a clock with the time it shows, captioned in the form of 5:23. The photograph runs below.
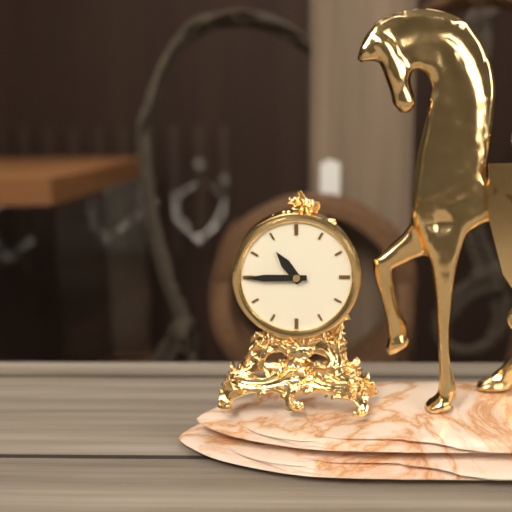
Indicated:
10:45
